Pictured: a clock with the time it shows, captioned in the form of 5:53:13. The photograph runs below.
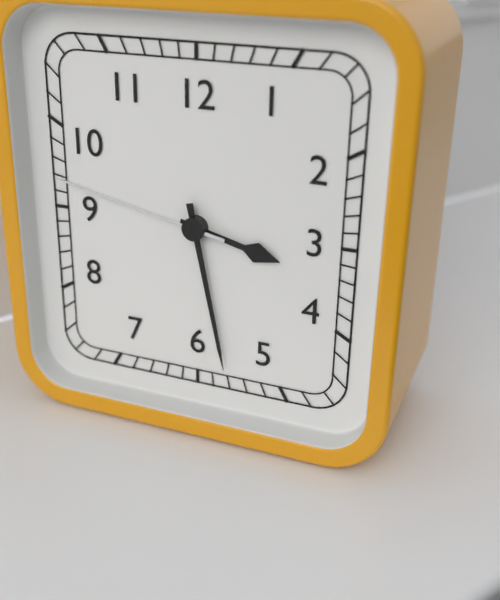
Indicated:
3:28:47
